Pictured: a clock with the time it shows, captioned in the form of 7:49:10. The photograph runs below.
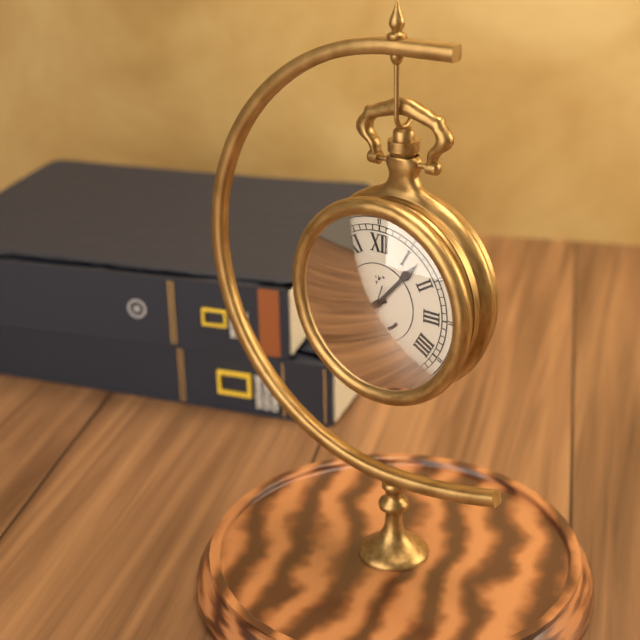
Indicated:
8:07:33
